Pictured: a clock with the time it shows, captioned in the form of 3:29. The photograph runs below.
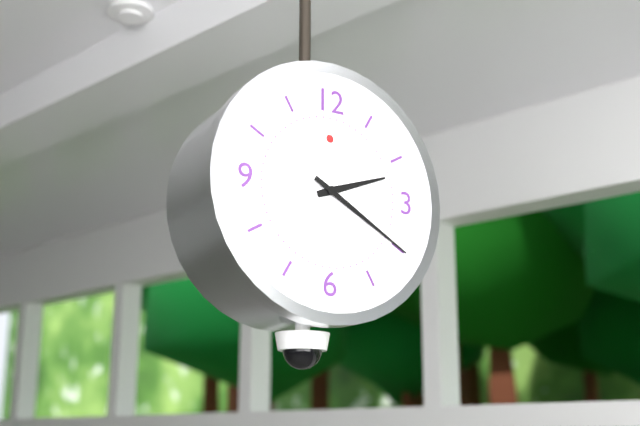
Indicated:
2:20
